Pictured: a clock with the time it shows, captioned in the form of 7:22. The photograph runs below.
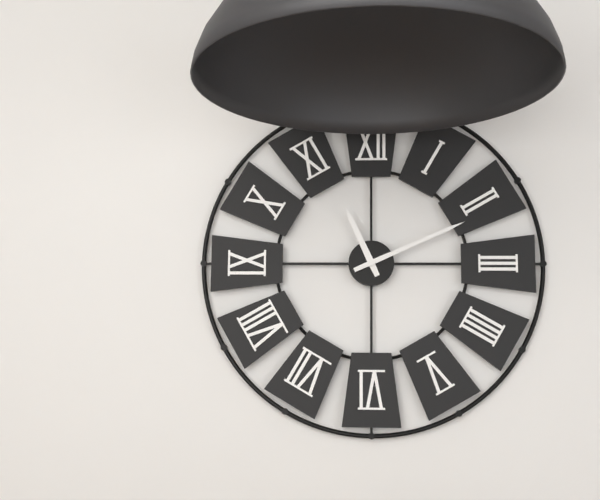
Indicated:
11:11
